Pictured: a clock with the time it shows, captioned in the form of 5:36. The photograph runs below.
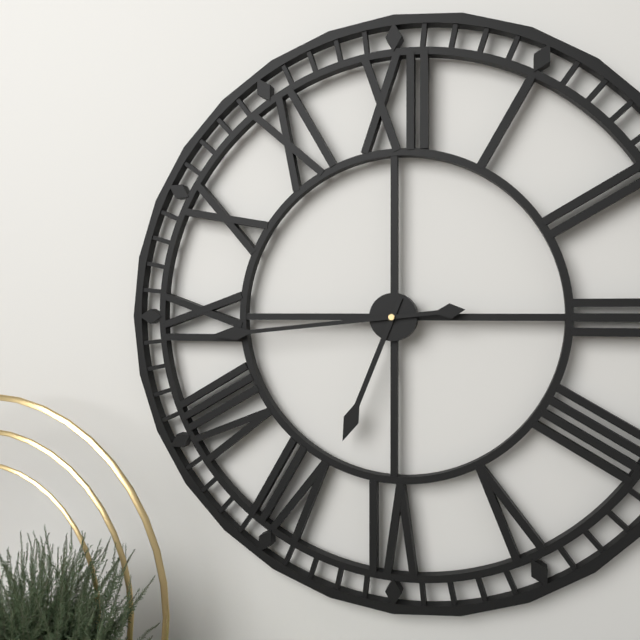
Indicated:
6:44
